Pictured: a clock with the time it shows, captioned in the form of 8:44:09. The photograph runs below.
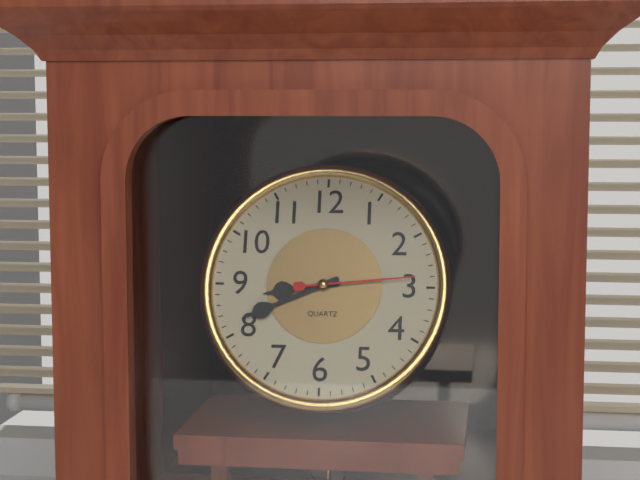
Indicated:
8:41:14
